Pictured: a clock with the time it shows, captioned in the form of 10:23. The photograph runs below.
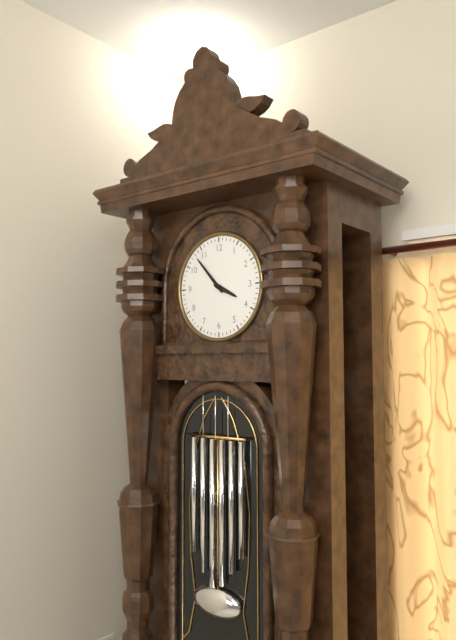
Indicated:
3:53
